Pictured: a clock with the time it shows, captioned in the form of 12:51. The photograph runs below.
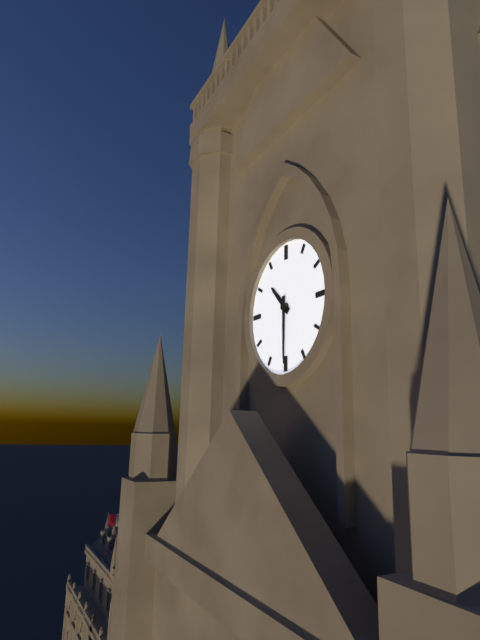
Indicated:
10:30
